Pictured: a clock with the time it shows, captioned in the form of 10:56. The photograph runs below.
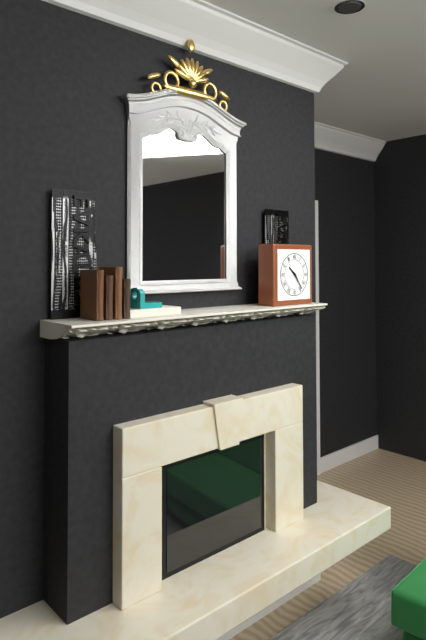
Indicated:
10:24
